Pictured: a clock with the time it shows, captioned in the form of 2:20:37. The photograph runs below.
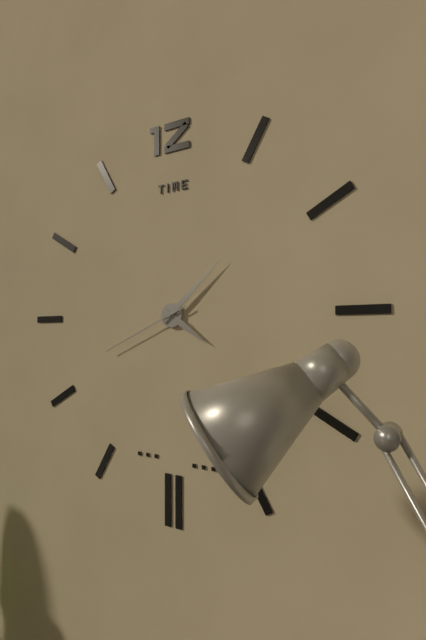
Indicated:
4:08:41
